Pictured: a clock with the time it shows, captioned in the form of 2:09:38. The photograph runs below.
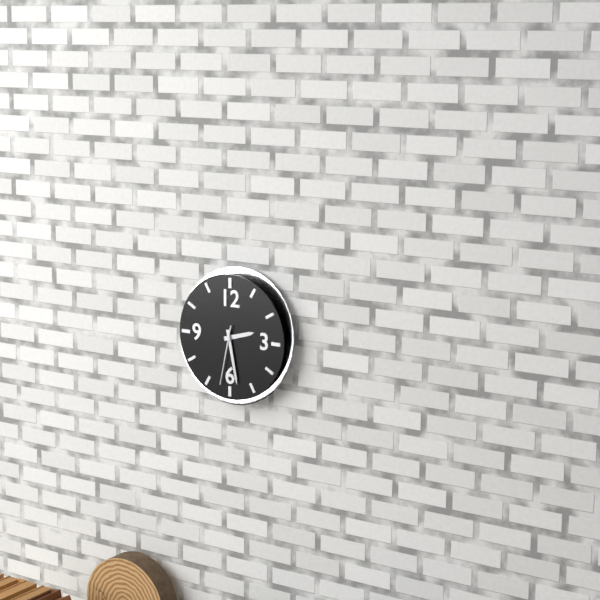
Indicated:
2:28:32
